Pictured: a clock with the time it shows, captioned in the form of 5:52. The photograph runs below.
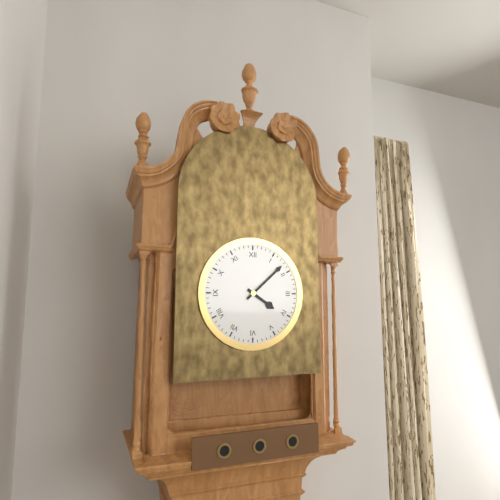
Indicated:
4:08
